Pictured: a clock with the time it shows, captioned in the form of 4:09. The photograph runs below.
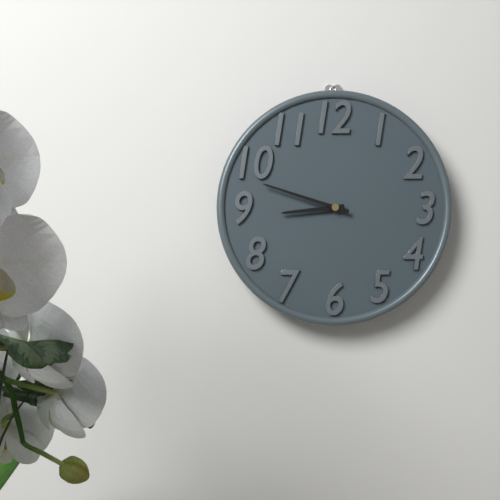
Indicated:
8:48
